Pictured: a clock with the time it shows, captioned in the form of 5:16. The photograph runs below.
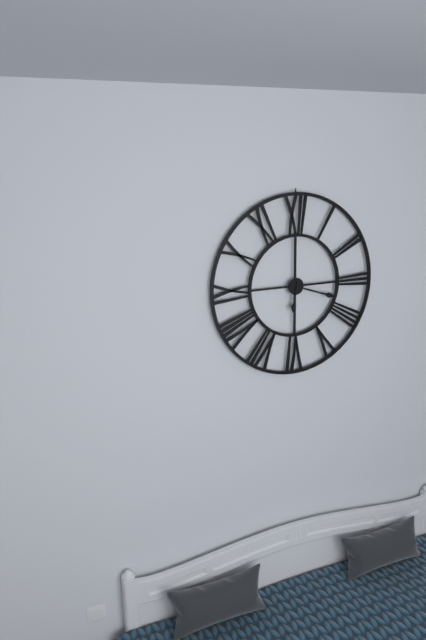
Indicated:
6:18
